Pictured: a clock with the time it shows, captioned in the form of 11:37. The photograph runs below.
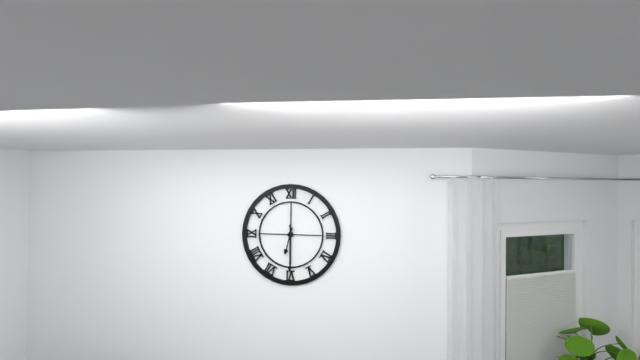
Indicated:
6:30
